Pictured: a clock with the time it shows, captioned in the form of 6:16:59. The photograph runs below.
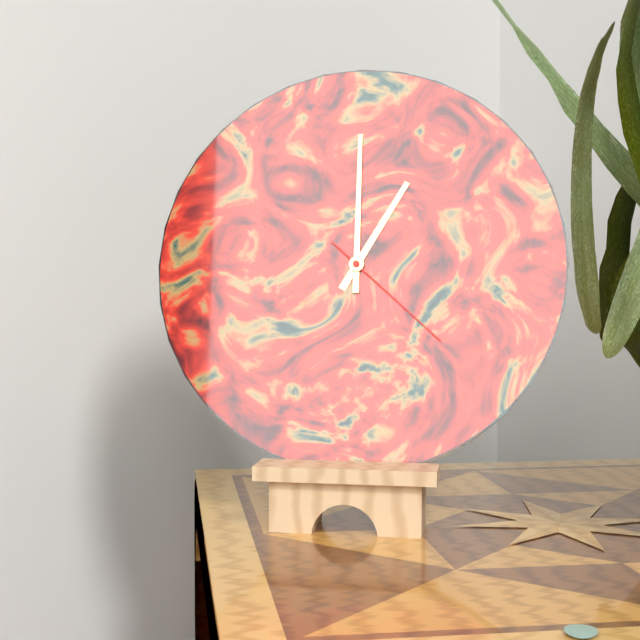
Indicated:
1:00:22
